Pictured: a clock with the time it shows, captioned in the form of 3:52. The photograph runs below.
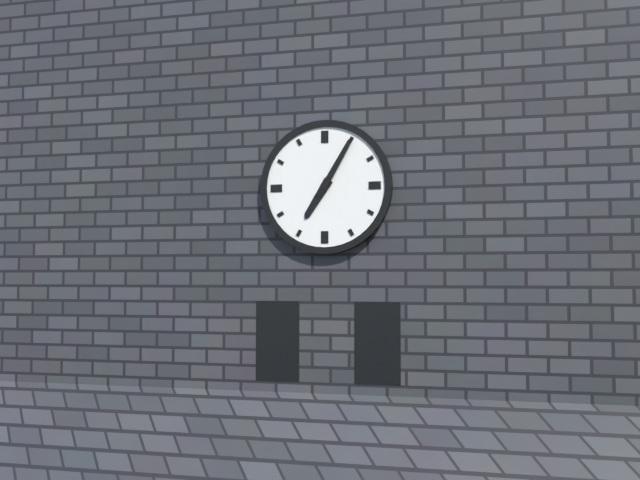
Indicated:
7:05
